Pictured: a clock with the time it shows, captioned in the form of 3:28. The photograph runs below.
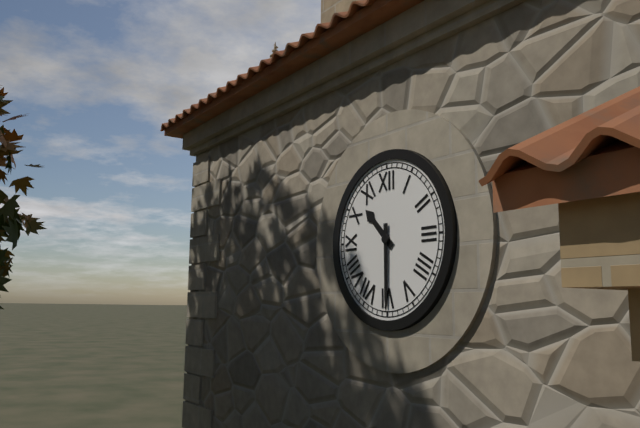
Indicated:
10:30
